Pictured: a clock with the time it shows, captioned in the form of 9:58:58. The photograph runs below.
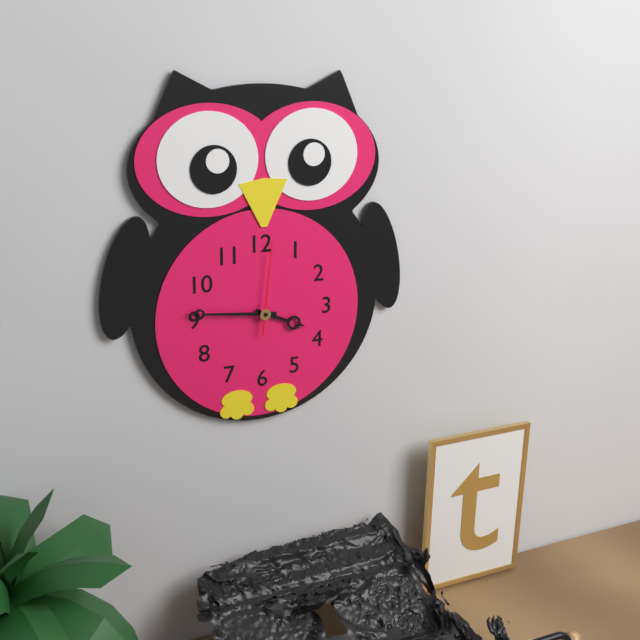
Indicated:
3:46:01
